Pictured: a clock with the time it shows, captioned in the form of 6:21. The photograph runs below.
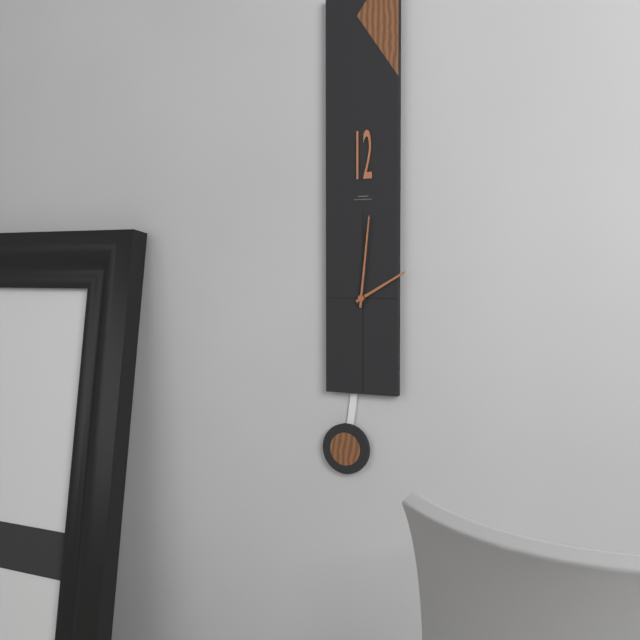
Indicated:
2:01
